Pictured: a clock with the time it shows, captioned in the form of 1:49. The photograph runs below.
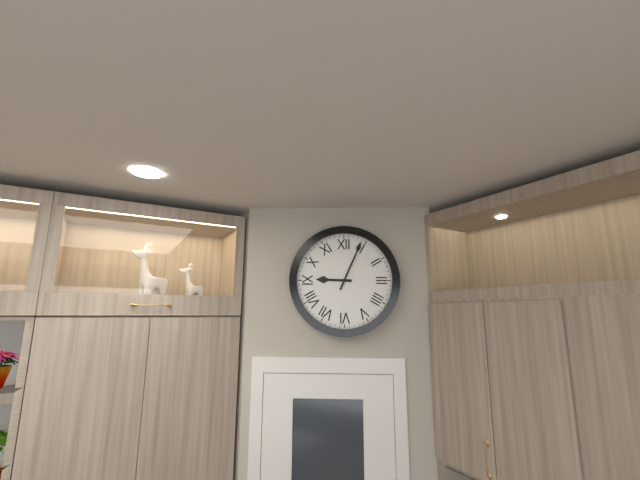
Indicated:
9:04
